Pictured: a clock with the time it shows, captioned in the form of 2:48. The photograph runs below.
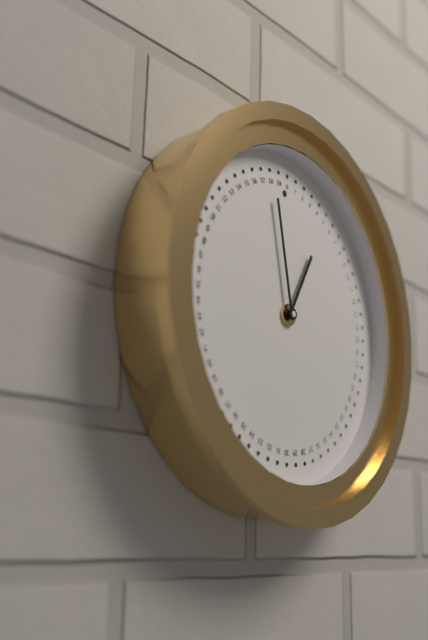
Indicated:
12:58
